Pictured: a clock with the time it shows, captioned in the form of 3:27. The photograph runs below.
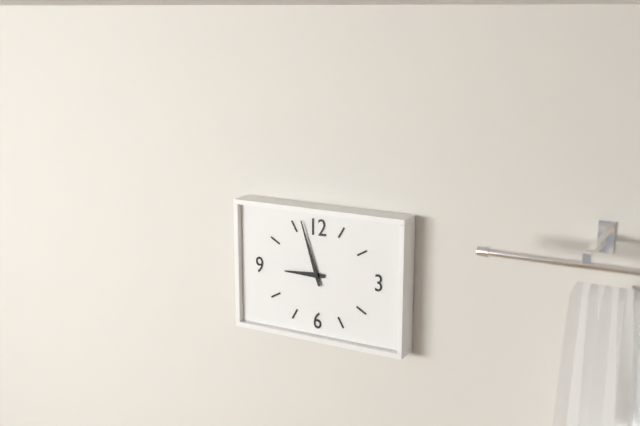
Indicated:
8:57
